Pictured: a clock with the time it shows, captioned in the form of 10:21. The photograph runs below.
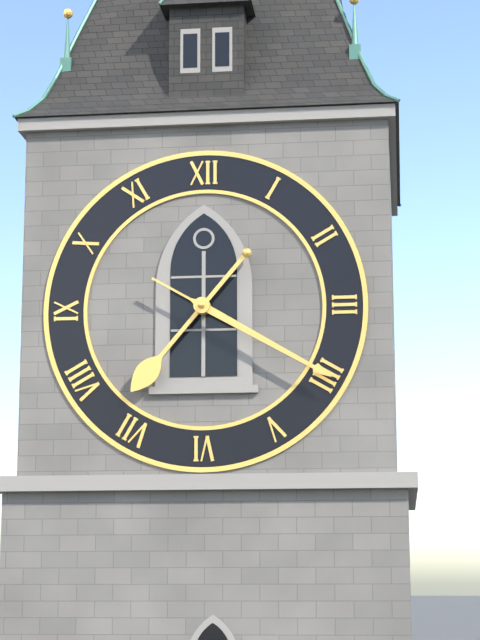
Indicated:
7:20
